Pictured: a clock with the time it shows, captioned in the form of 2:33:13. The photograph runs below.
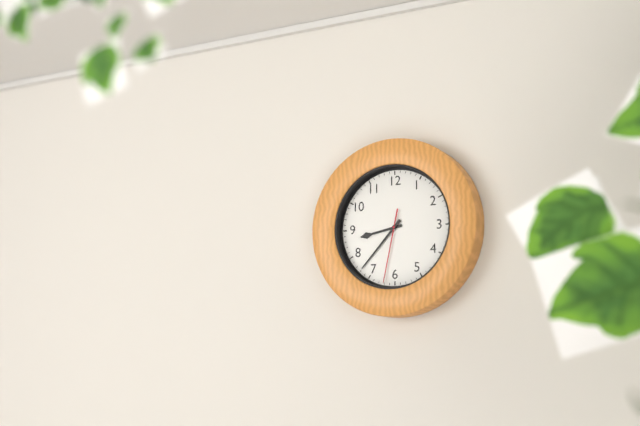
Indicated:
8:37:32
